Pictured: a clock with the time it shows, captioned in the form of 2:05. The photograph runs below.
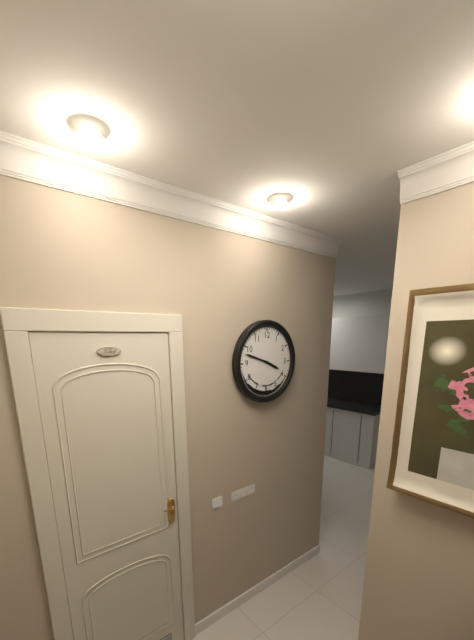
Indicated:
3:48
